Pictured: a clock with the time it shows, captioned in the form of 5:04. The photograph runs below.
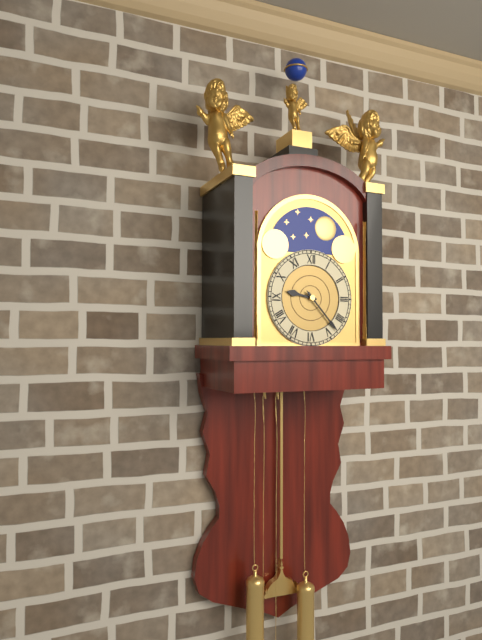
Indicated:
9:23
